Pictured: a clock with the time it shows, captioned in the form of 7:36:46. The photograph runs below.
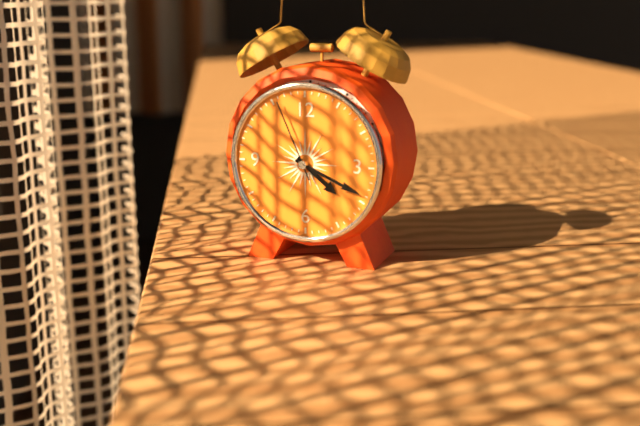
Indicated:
4:19:56
